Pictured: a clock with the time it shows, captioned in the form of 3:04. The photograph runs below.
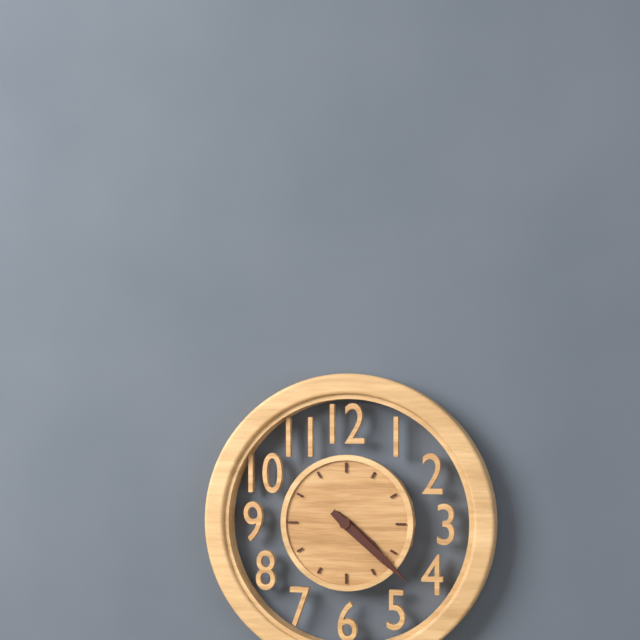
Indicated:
4:22
